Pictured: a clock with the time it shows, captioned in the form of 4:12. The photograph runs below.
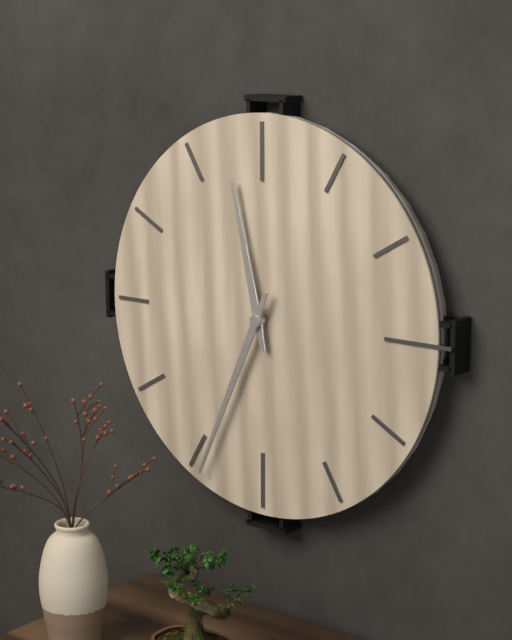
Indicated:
11:34
